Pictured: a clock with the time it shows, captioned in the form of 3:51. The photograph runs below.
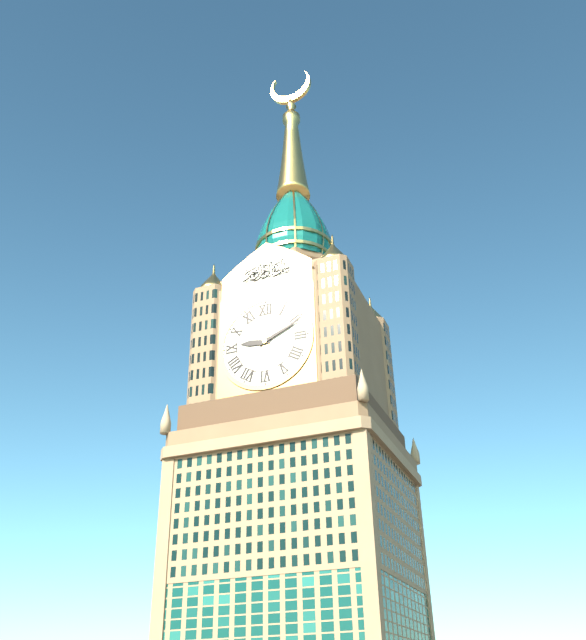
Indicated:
9:11
